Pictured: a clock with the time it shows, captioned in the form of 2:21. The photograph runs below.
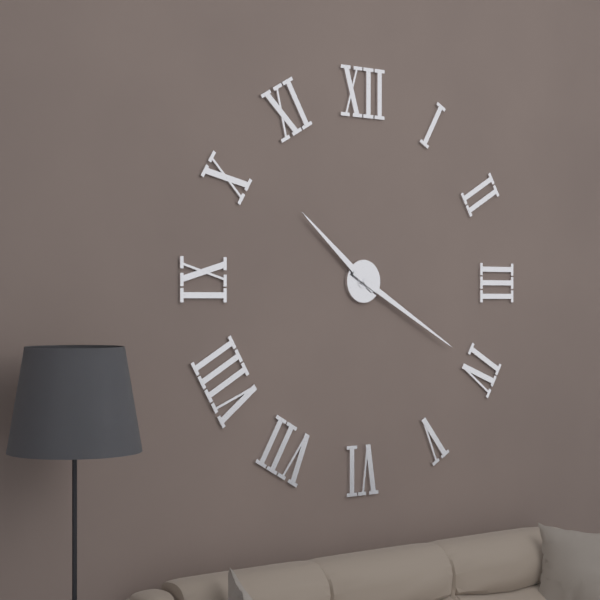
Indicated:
10:20
